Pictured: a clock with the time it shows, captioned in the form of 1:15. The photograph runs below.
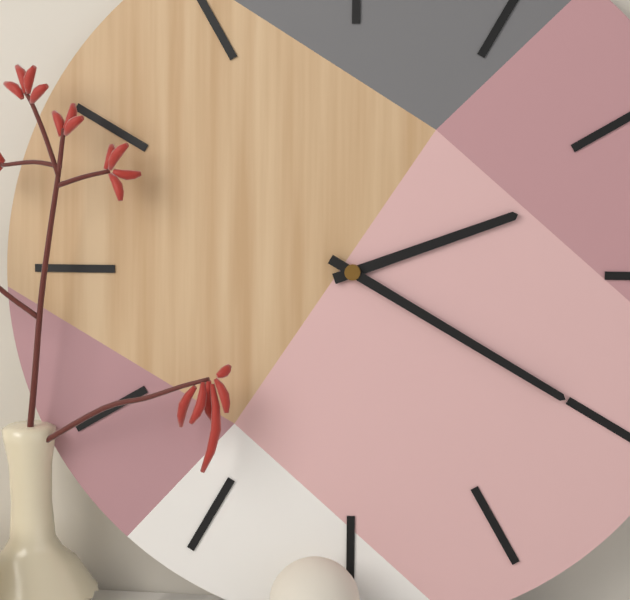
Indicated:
2:20
